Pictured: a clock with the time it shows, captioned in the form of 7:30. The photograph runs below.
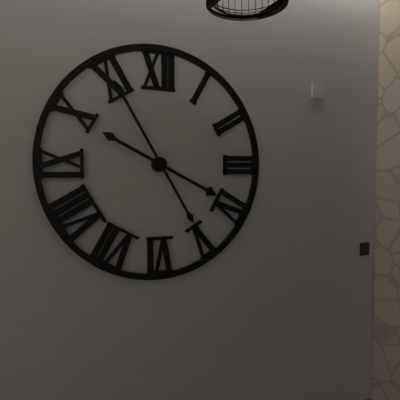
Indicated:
3:55
